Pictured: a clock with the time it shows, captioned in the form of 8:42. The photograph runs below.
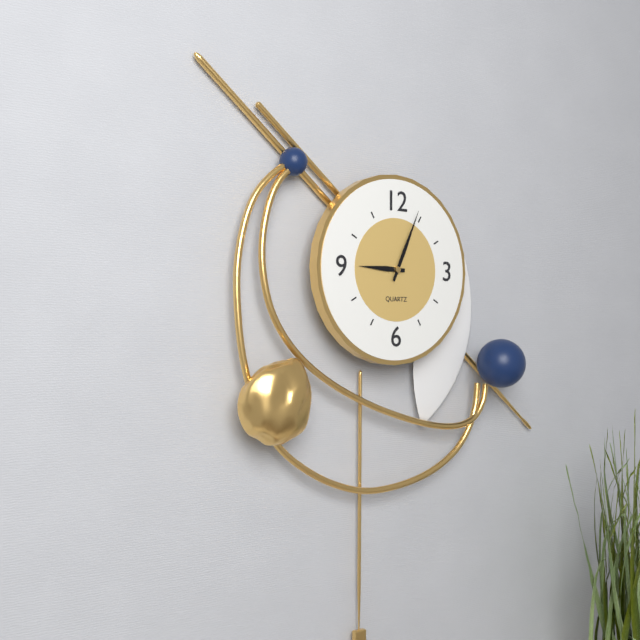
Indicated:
9:04
